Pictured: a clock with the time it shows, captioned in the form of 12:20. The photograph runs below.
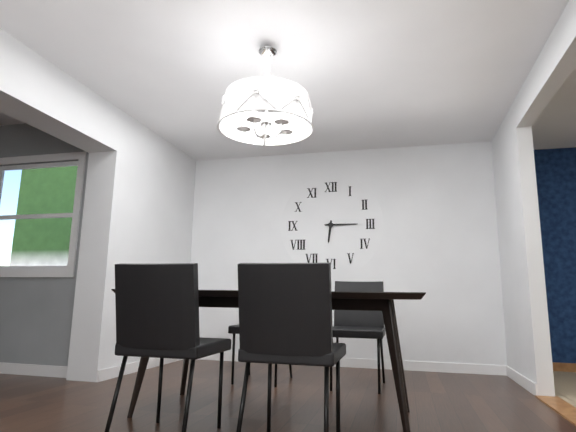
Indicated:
6:15
